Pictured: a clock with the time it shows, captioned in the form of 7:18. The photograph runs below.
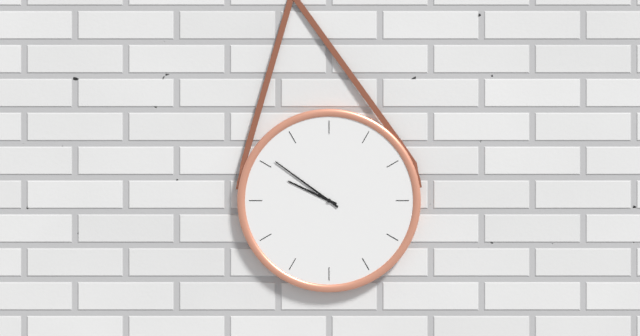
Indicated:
9:51
